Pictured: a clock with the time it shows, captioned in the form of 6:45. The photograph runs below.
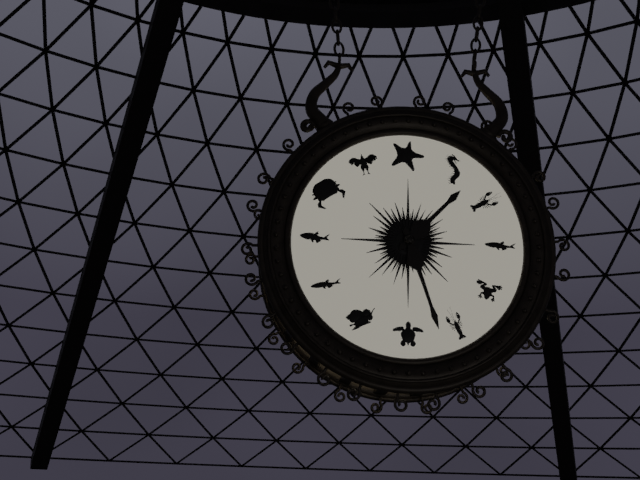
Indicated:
1:27
